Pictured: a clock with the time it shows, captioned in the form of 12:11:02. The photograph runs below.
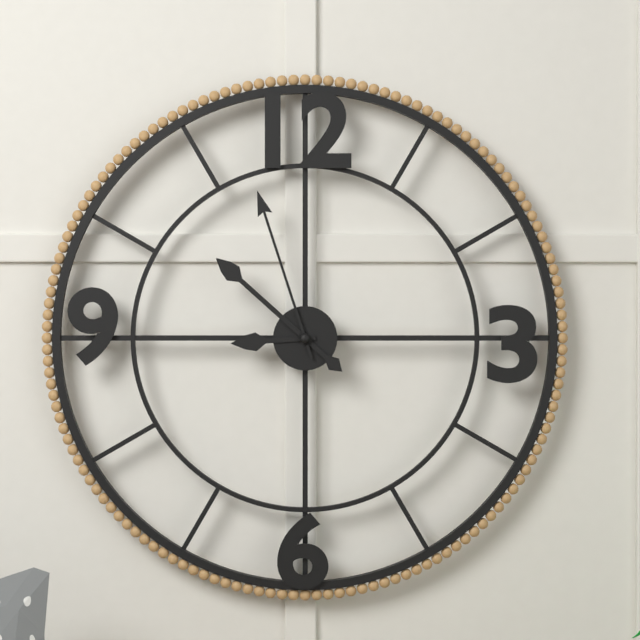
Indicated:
8:52:57
